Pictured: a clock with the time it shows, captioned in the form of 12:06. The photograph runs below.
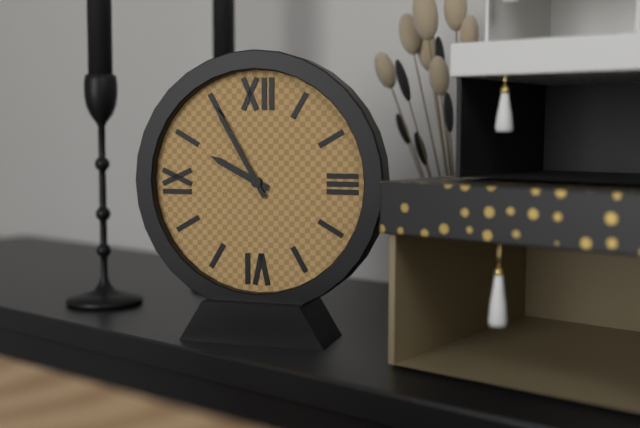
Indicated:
9:55
